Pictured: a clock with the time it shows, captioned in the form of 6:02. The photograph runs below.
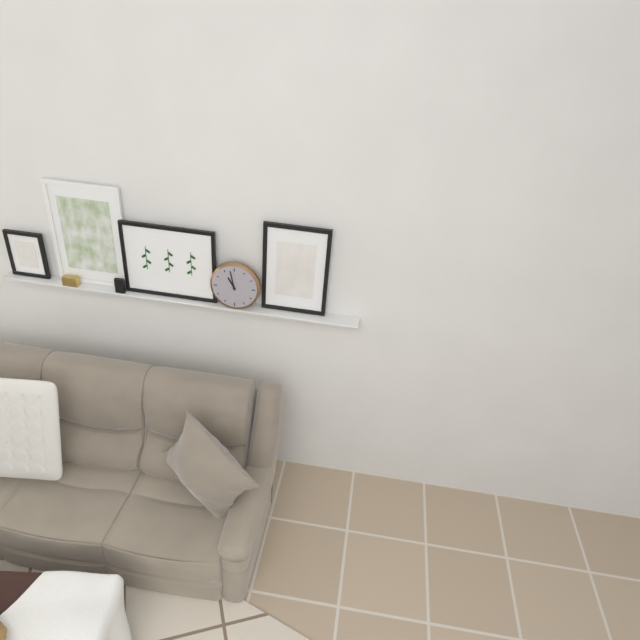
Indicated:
10:58
